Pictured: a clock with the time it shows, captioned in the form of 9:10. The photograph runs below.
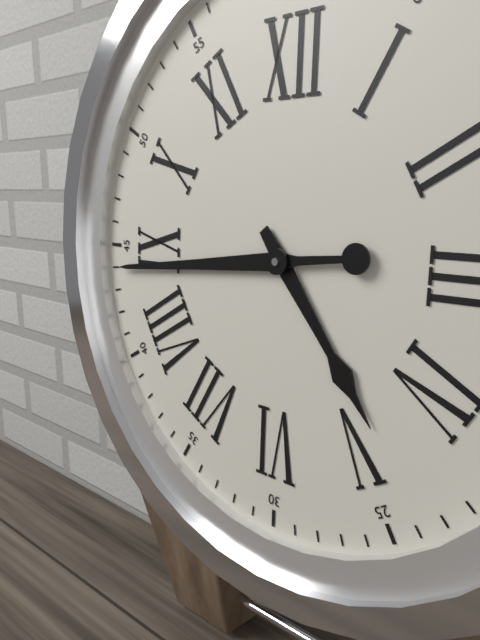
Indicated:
4:44
